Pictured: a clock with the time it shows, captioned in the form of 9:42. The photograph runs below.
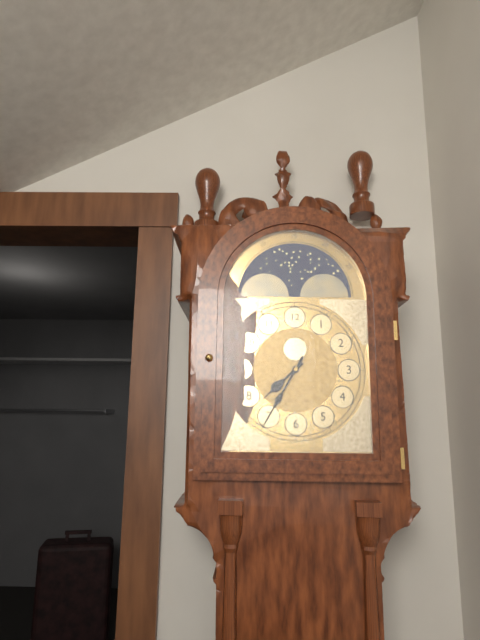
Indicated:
7:35
